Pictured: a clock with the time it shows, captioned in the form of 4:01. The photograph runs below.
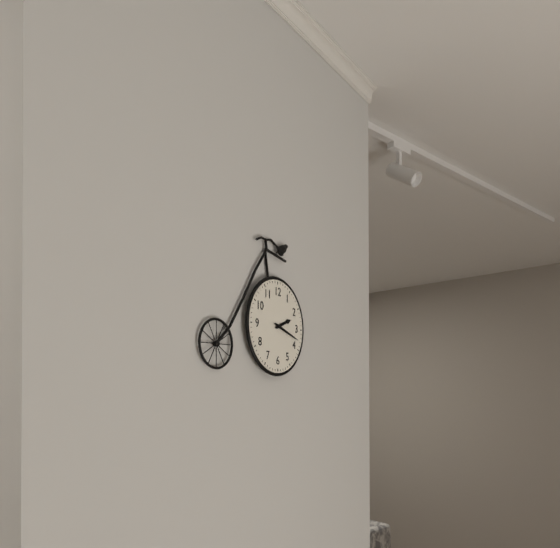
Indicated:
2:18
